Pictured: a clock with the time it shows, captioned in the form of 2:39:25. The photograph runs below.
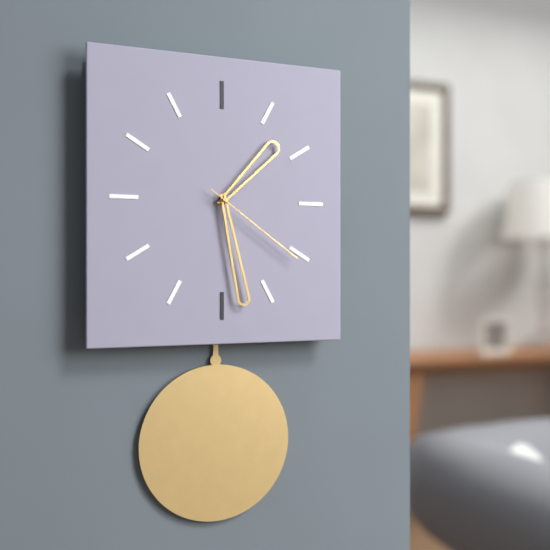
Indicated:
1:28:21
